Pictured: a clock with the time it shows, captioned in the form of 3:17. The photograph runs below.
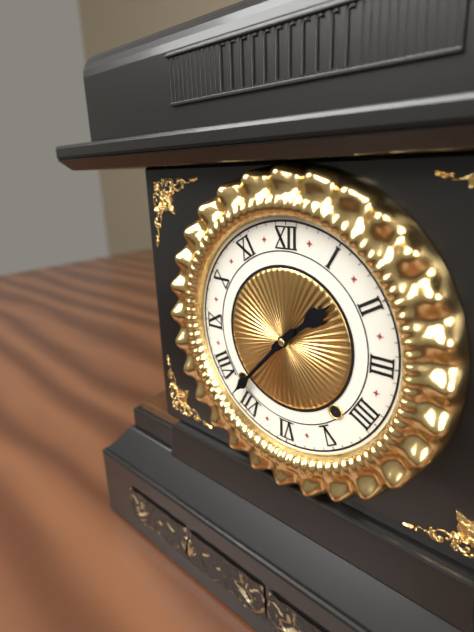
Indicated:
1:37
